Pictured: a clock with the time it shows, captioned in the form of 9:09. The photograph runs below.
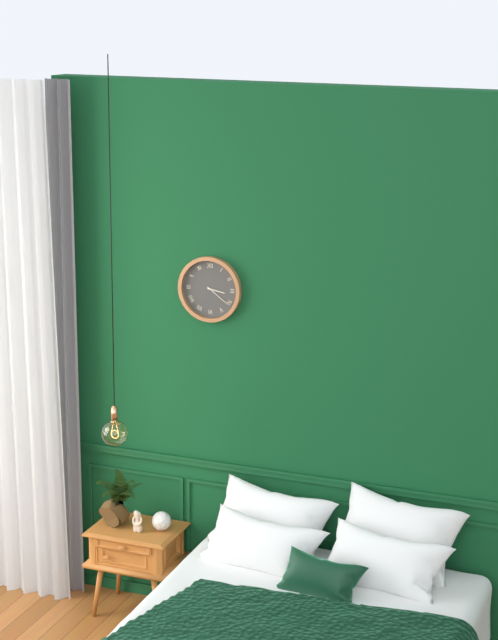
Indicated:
3:21
